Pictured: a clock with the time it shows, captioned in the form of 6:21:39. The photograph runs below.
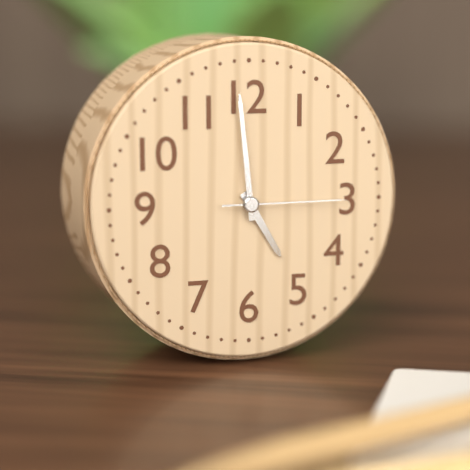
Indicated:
4:59:15
